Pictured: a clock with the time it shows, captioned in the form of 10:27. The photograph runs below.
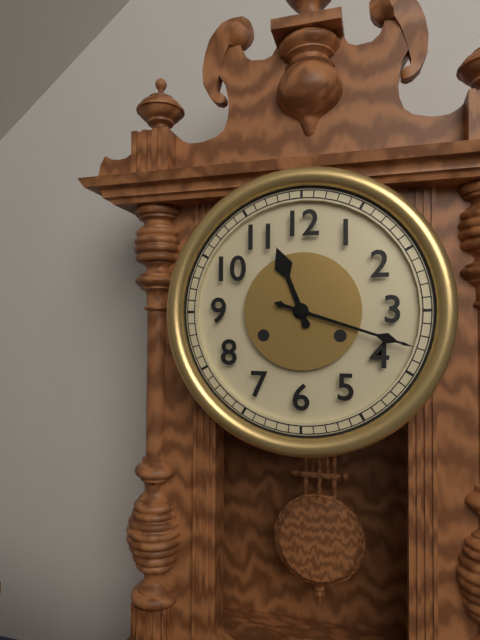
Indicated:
11:18
